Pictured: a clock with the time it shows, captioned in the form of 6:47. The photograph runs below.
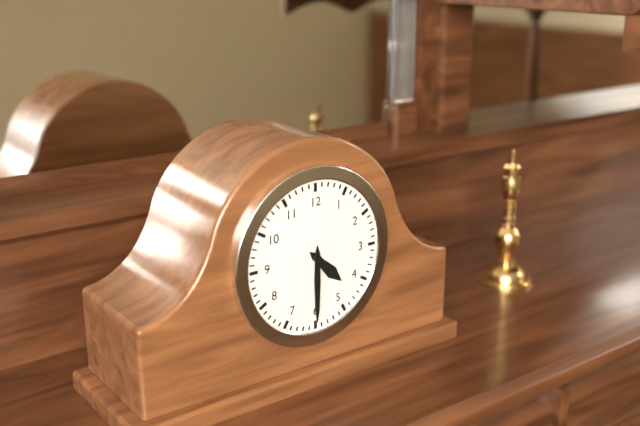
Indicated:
4:30
